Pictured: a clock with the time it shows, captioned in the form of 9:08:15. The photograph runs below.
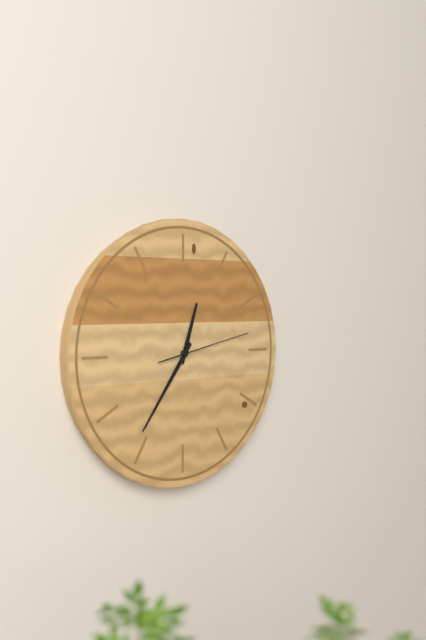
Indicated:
12:36:13
